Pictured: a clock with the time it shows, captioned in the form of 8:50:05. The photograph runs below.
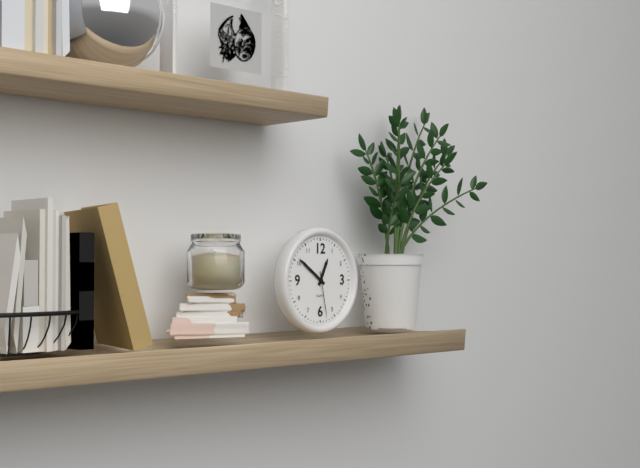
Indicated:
12:51:28
